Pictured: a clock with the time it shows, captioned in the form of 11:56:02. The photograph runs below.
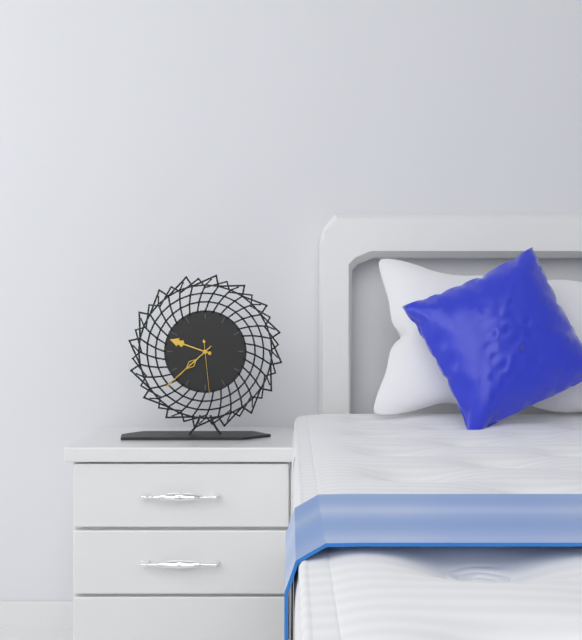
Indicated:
9:38:29
